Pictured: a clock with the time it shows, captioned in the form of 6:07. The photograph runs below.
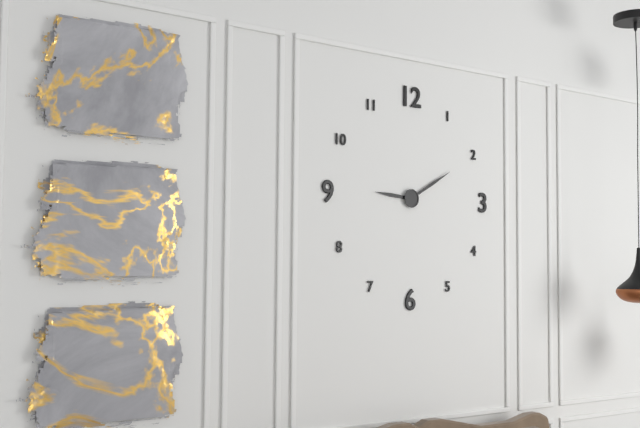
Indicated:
9:10
